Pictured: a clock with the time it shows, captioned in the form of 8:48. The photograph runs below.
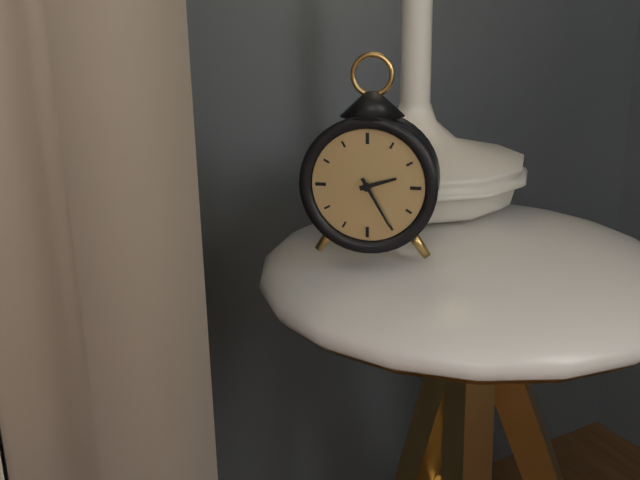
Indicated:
2:25
